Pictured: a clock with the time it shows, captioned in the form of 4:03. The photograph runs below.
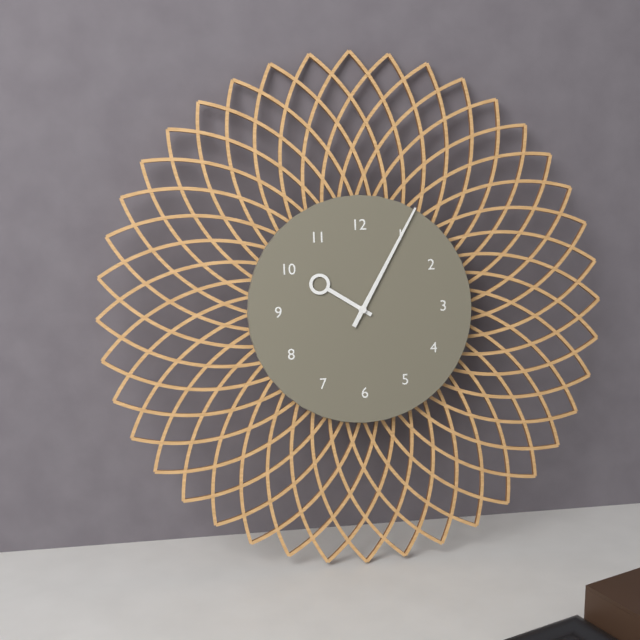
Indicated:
10:05
